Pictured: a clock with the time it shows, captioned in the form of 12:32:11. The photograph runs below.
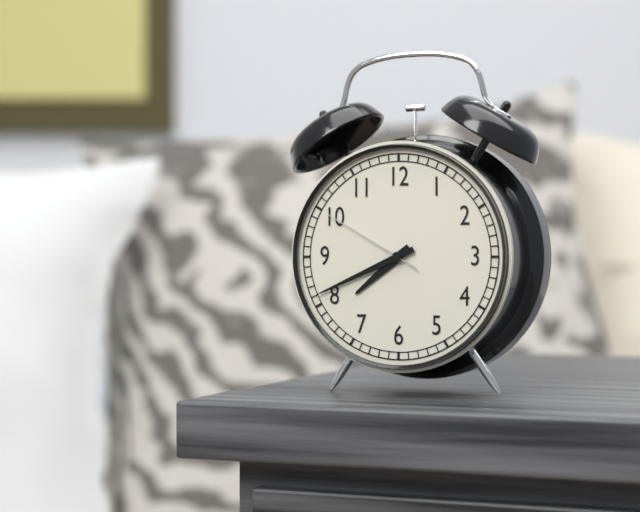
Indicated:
7:41:50
